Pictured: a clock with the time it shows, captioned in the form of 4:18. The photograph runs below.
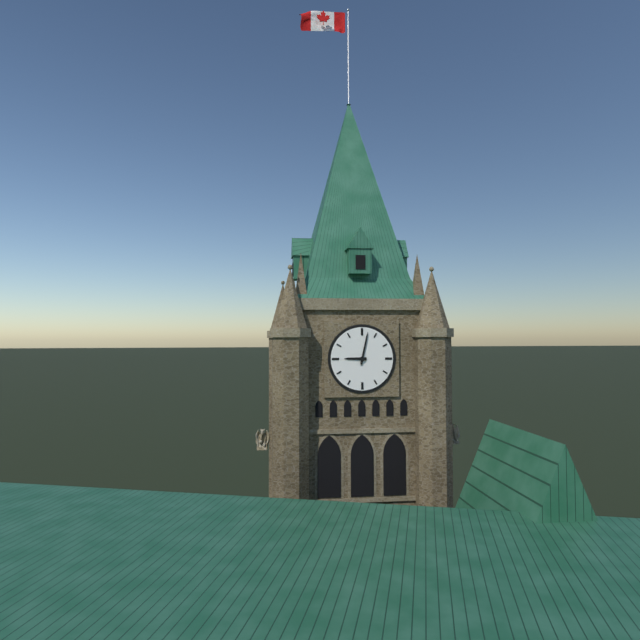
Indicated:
9:02
